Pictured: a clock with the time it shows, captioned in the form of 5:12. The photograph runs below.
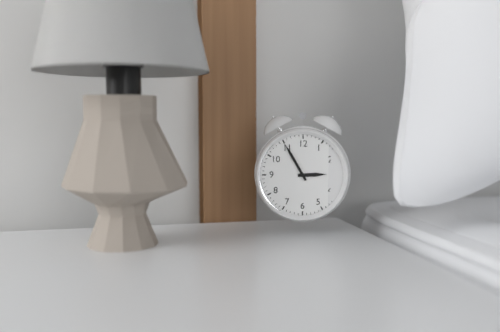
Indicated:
2:55
